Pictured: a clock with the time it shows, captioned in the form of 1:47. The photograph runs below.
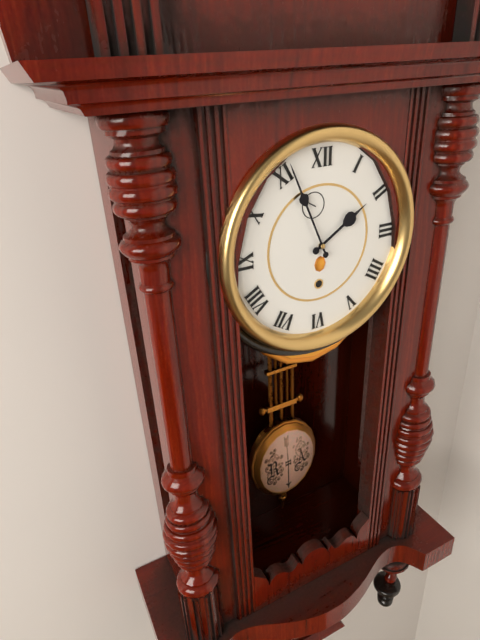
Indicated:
1:56
